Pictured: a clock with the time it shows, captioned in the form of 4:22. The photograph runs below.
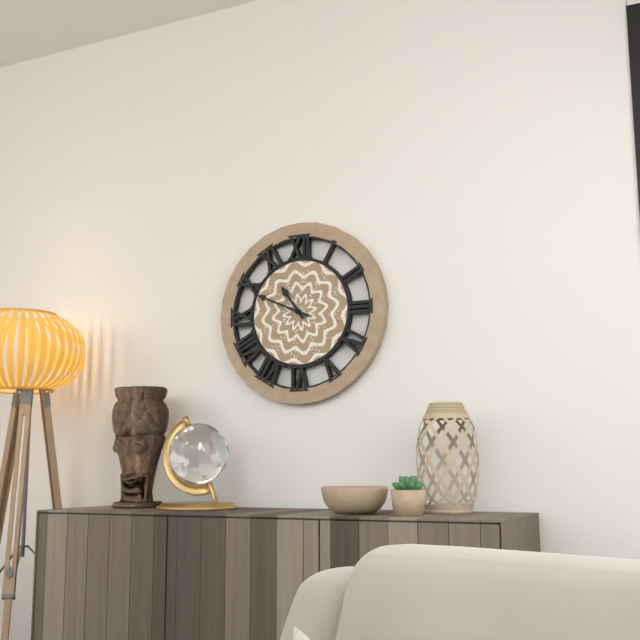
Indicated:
10:49
